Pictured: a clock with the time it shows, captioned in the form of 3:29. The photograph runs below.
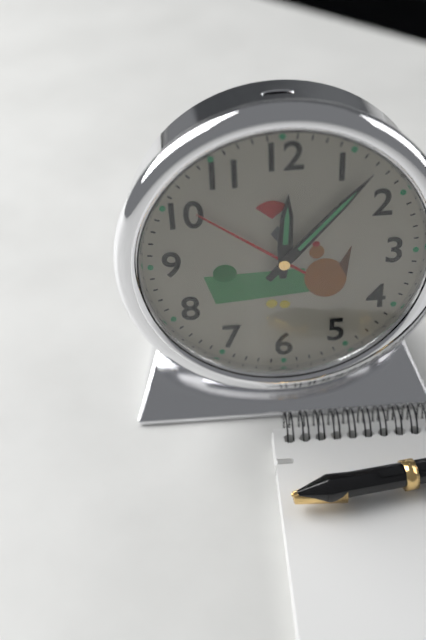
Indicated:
12:07
